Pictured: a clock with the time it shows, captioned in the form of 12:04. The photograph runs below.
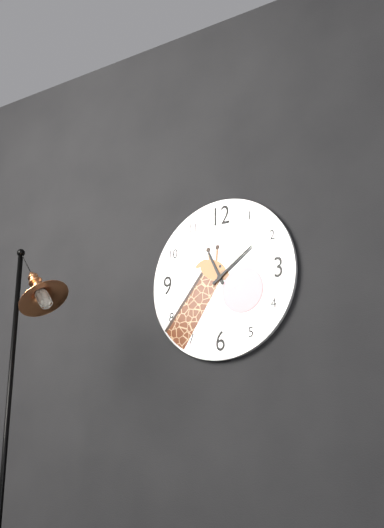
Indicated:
11:09
